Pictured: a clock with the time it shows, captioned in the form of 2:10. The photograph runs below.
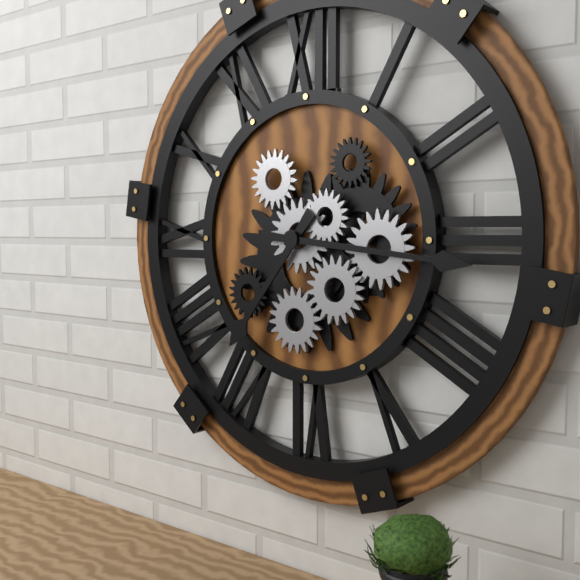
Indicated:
7:16
